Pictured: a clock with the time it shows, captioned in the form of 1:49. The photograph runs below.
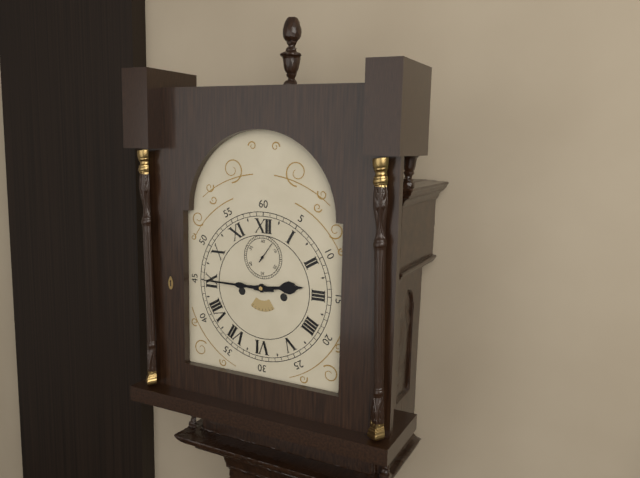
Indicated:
2:45
